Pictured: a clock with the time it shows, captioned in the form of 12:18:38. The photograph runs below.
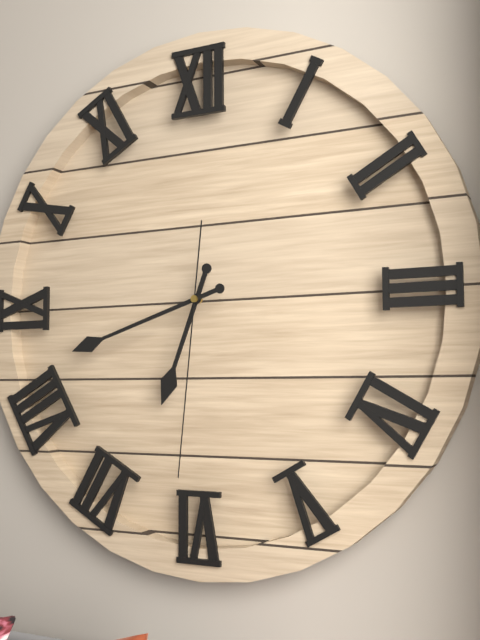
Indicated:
6:42:31
